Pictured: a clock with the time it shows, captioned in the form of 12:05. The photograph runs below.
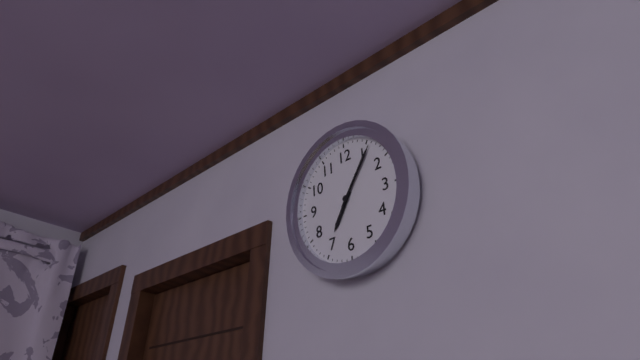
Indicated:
7:06
